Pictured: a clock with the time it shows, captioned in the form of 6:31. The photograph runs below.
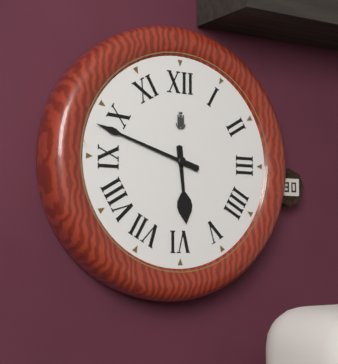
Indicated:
5:48
